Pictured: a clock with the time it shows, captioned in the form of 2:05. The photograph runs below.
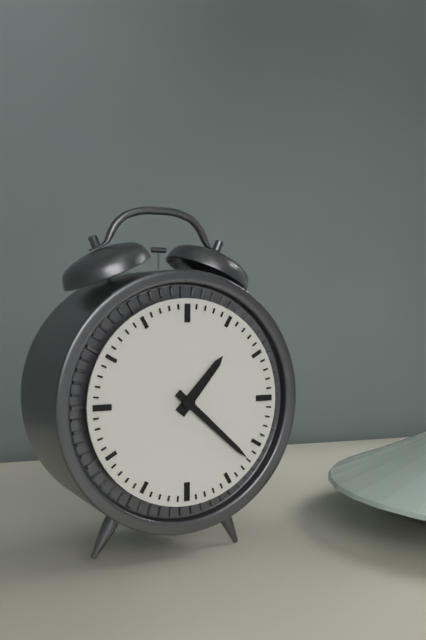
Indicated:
1:22
